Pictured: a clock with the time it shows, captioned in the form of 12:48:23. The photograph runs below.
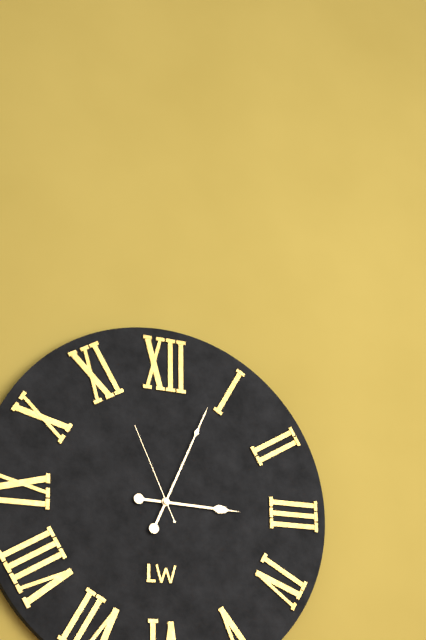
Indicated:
3:04:56
